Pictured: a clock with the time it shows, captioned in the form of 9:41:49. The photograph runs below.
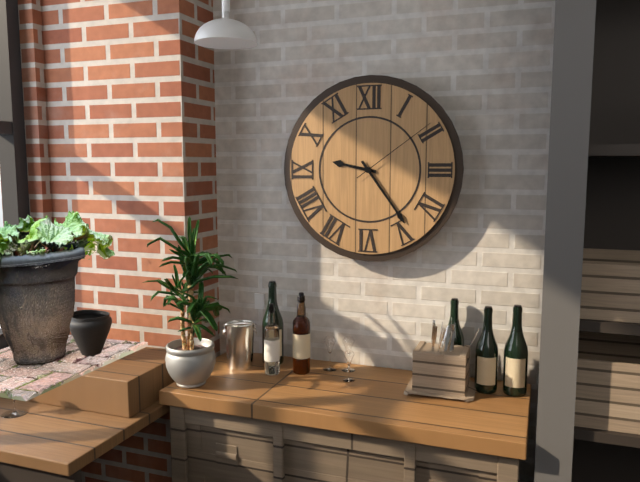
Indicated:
9:24:09
